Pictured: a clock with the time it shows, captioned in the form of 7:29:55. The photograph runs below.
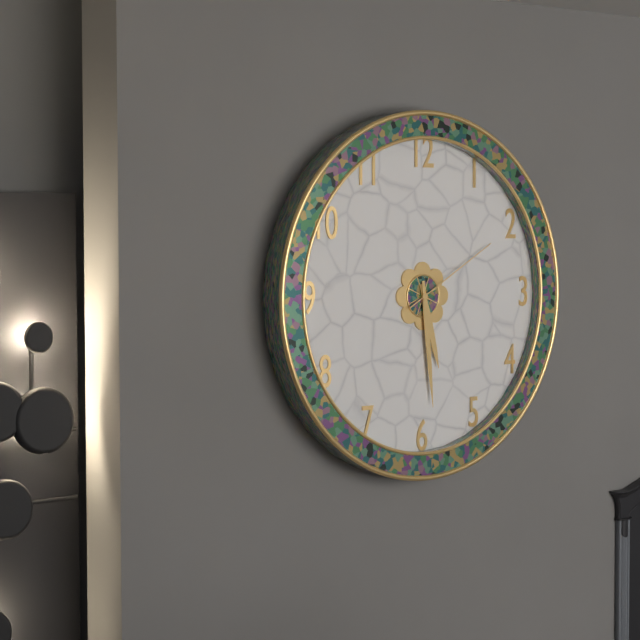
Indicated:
5:29:10
